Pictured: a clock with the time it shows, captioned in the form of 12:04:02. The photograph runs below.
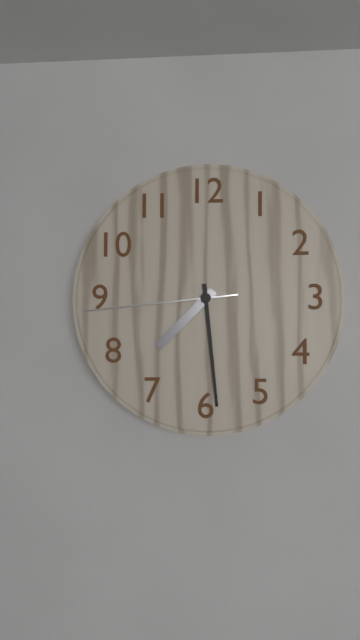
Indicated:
7:29:44
